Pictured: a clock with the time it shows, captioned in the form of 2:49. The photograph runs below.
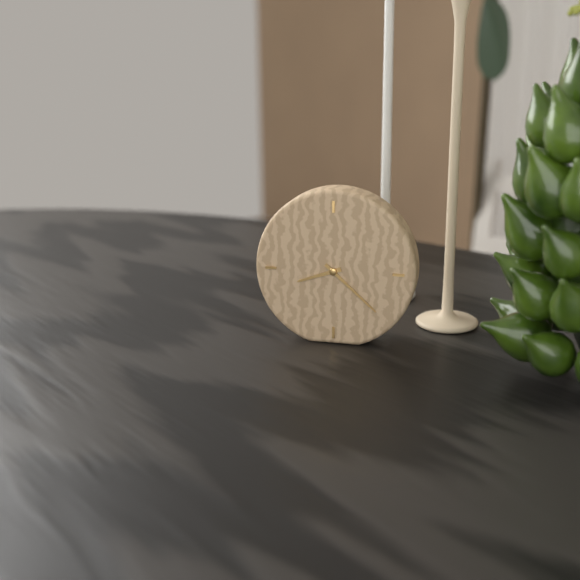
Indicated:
8:22
